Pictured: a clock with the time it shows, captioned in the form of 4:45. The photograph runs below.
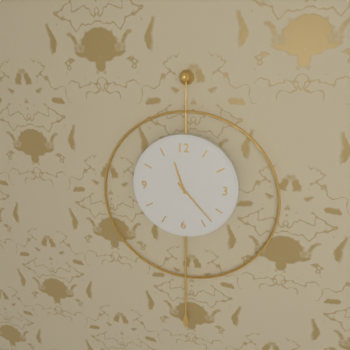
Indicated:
11:23
